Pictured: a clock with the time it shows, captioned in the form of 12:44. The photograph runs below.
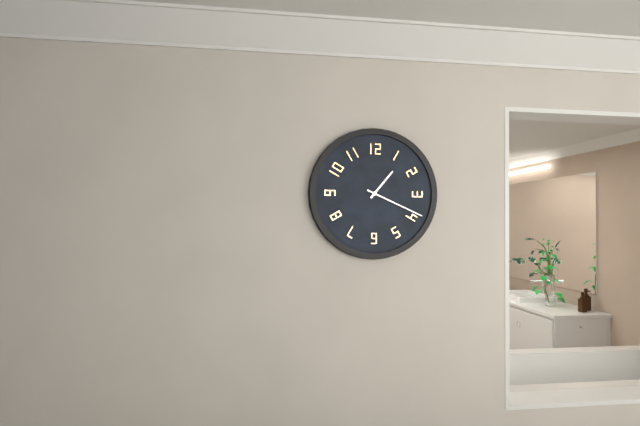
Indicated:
1:19
